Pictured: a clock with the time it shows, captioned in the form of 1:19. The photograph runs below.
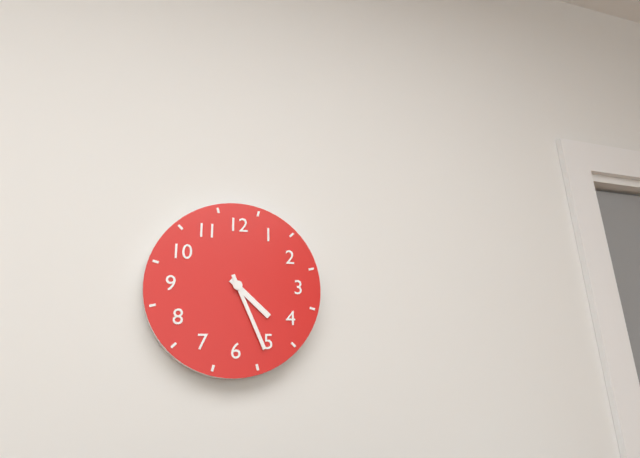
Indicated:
4:26
